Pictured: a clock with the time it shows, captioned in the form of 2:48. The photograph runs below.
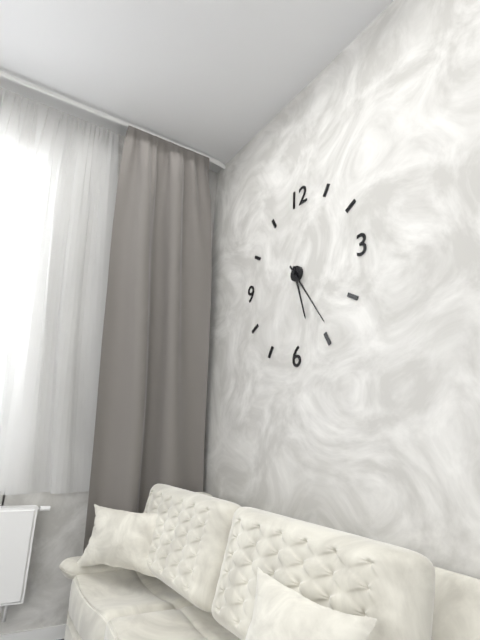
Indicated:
5:24
